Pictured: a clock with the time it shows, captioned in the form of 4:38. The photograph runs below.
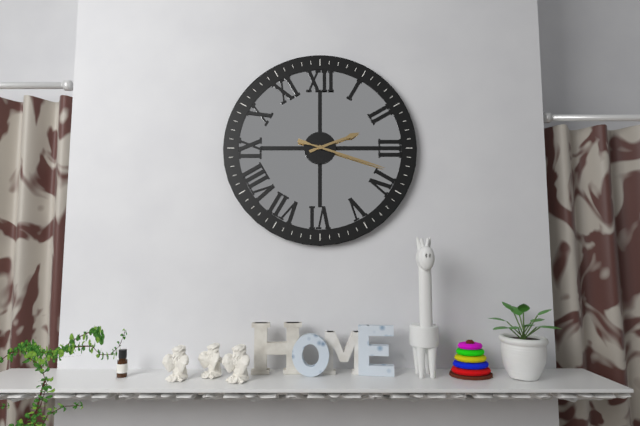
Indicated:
2:18
